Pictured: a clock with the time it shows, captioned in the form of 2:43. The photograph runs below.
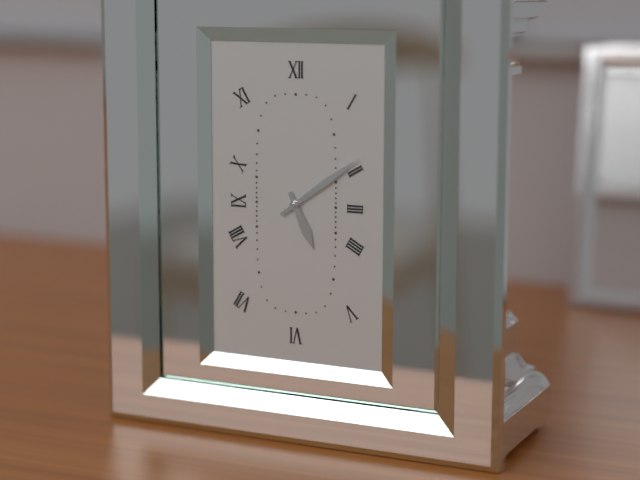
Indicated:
5:09
